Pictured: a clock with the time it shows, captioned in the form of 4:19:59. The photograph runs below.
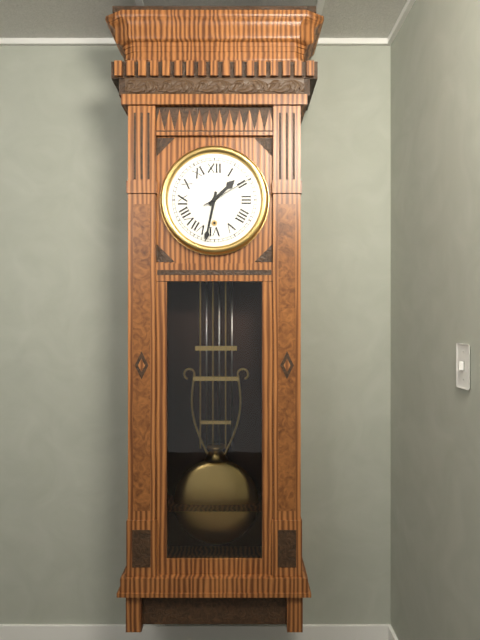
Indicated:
1:32:10
